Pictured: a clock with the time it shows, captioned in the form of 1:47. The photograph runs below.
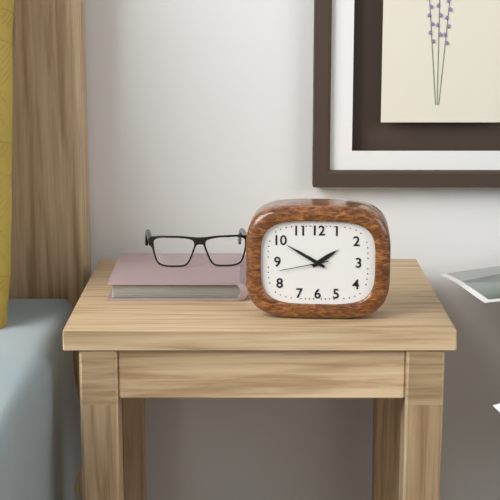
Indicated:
1:50
